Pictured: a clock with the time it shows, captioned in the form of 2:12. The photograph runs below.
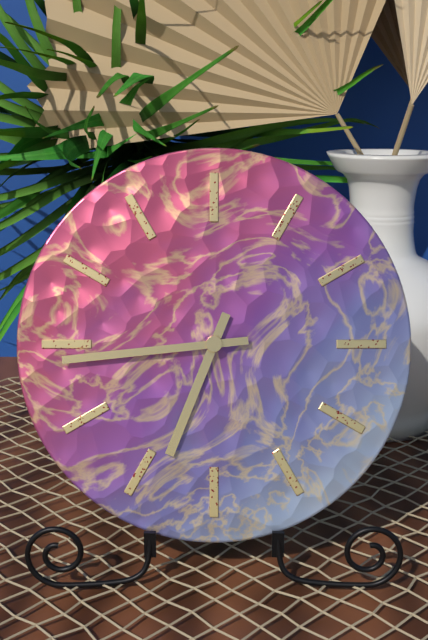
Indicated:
6:44
